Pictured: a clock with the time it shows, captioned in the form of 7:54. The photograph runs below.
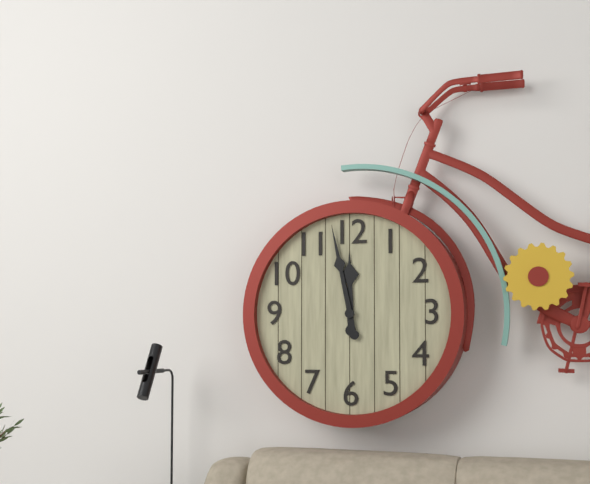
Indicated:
11:58
